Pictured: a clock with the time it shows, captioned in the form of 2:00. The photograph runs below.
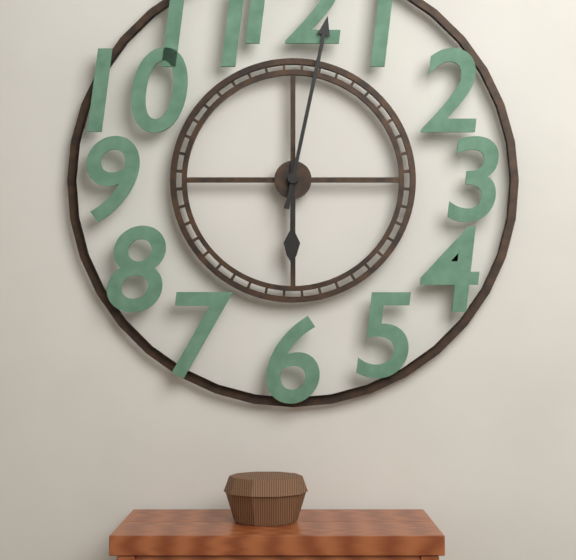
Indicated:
6:02
